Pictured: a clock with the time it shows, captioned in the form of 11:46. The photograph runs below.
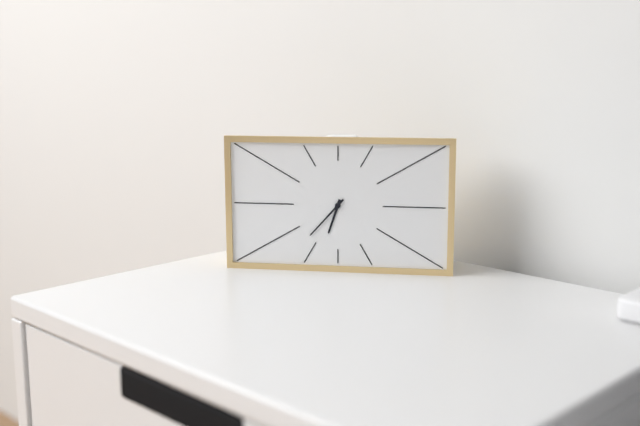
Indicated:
6:37
